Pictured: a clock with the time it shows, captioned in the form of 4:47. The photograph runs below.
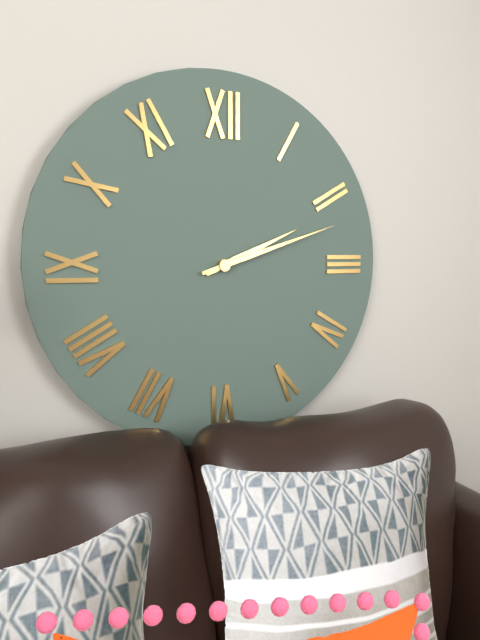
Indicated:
2:12
